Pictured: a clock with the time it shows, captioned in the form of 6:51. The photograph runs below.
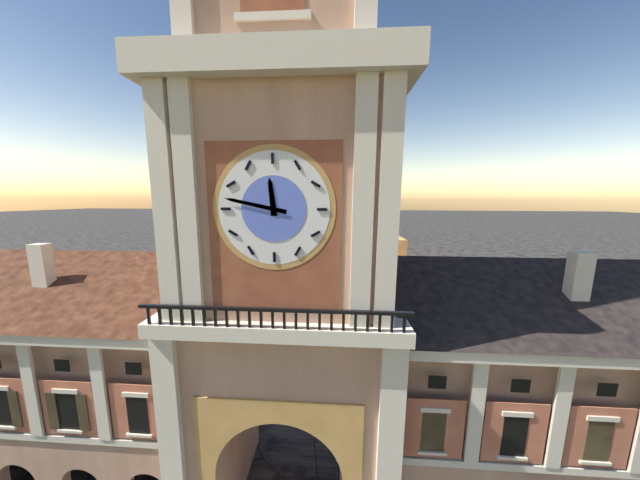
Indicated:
11:47
